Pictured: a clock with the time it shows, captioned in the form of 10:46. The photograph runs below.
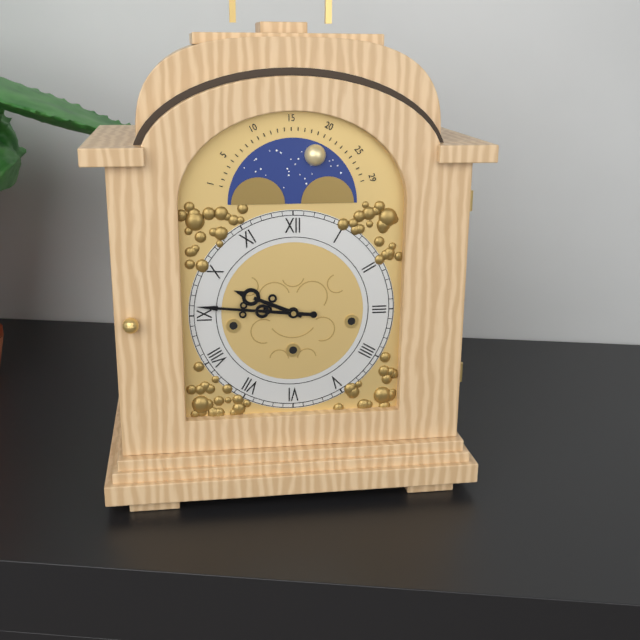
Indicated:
9:46
